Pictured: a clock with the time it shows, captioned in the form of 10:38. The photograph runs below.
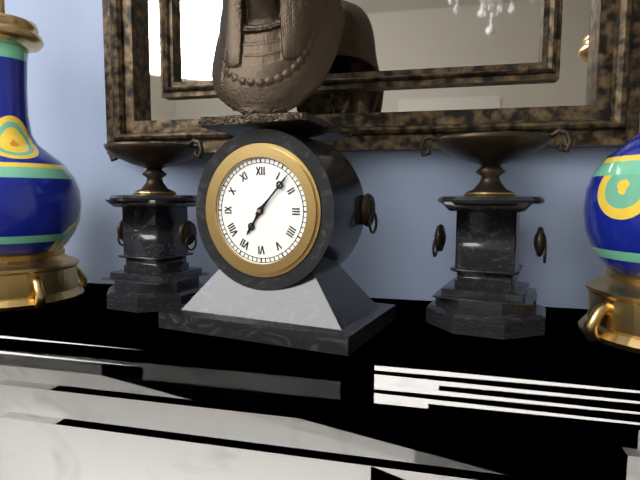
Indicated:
7:07
